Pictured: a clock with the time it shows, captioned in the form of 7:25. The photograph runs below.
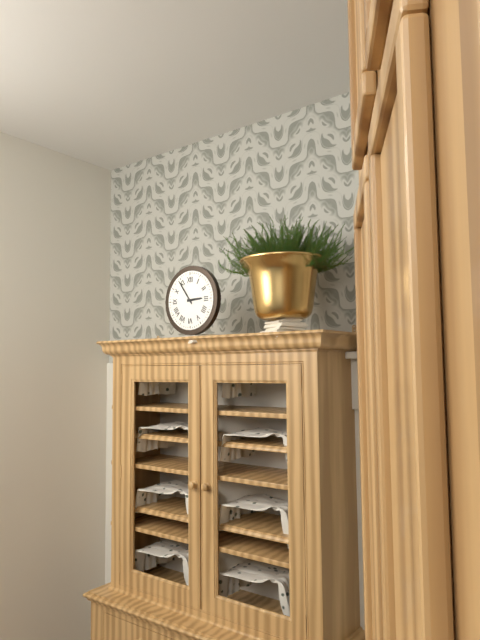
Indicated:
2:54
